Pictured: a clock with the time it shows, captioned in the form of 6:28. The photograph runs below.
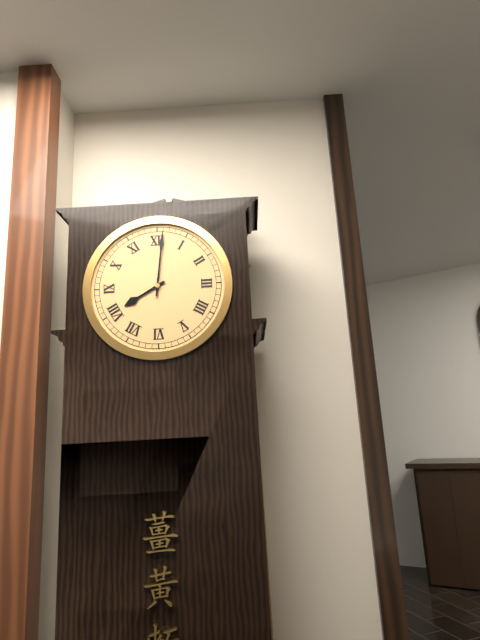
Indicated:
8:01
